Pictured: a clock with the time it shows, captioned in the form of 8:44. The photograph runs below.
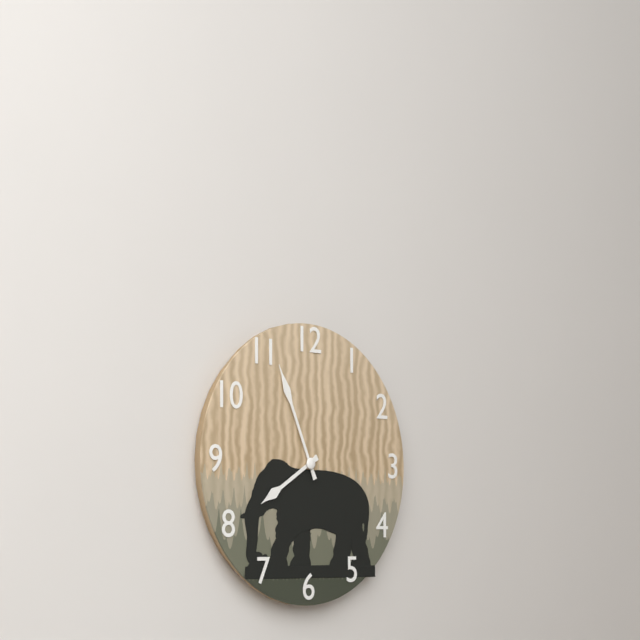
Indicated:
7:56
